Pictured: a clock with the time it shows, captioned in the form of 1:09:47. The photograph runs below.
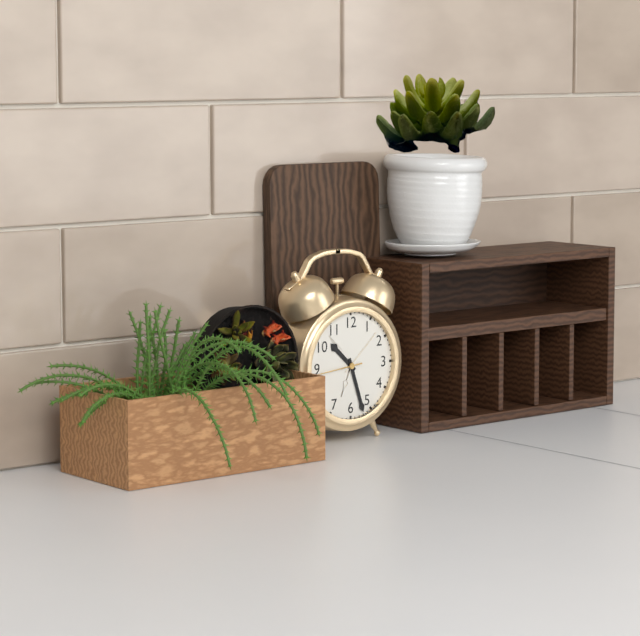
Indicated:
10:27:44
